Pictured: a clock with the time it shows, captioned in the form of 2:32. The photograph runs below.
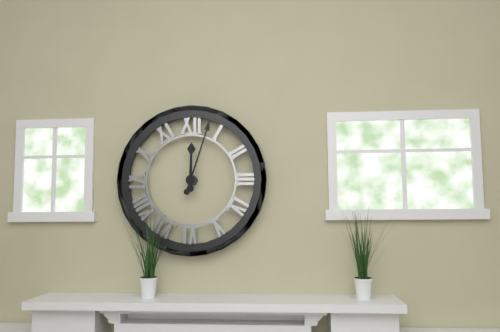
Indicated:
12:03
